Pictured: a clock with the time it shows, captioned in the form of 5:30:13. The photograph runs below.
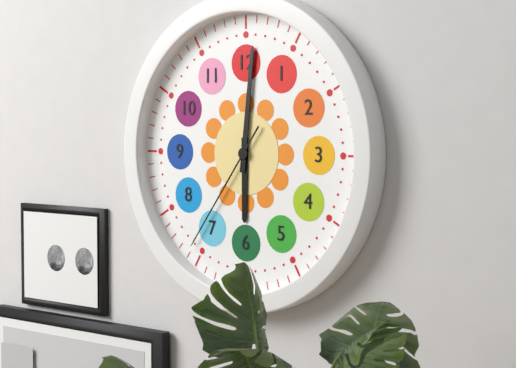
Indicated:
6:01:36
